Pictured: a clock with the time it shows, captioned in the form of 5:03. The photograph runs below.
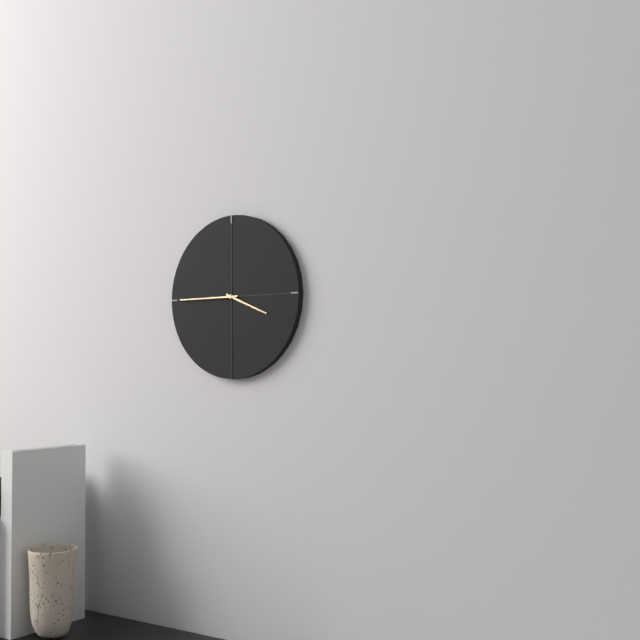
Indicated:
3:45
